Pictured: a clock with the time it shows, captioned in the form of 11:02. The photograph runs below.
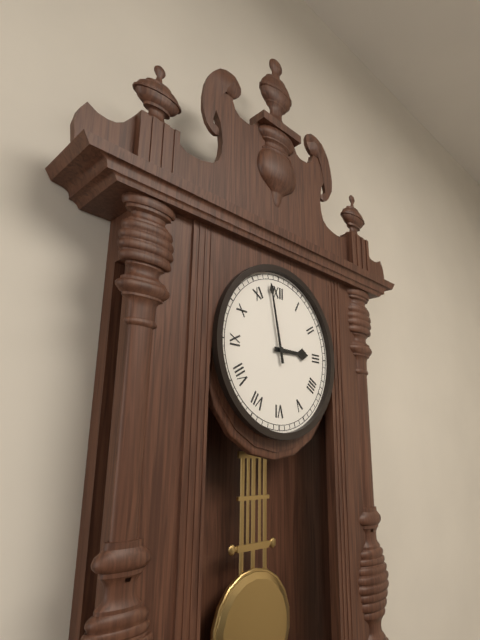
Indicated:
2:58
